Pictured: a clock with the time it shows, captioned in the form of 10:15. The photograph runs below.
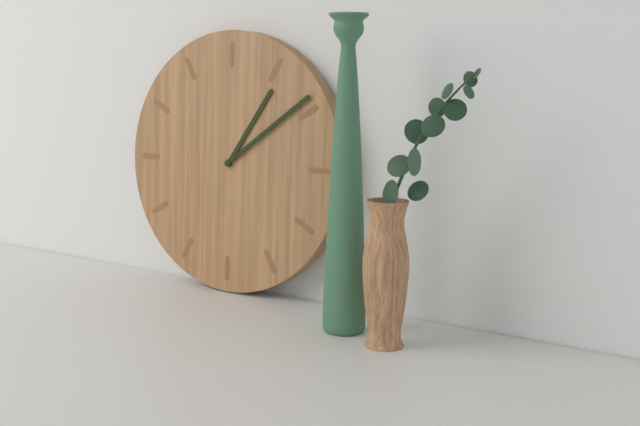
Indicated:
1:09
